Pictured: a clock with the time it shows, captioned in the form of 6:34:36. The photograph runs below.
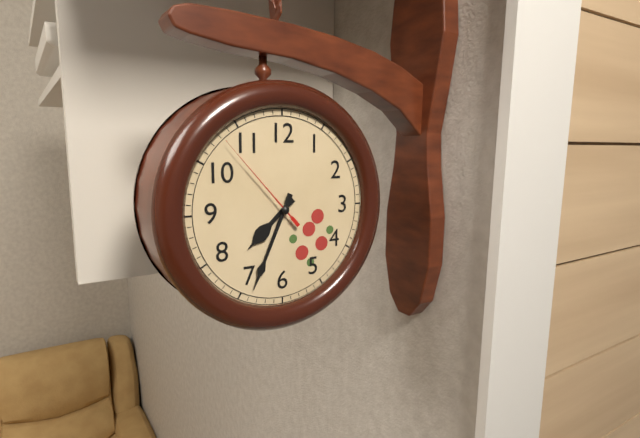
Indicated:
7:34:53
